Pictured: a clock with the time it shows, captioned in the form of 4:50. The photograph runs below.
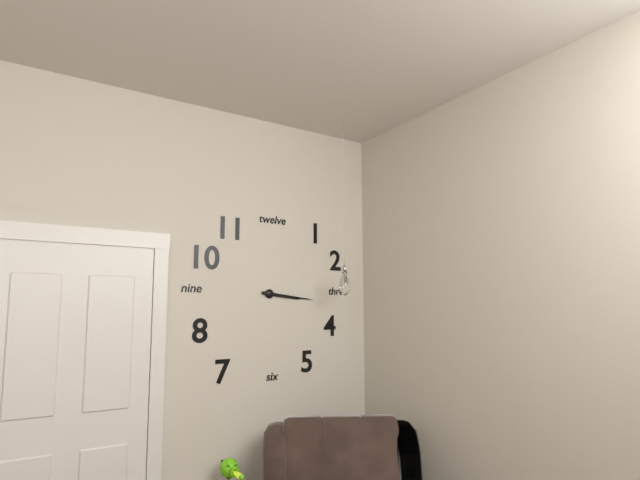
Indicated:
3:16
